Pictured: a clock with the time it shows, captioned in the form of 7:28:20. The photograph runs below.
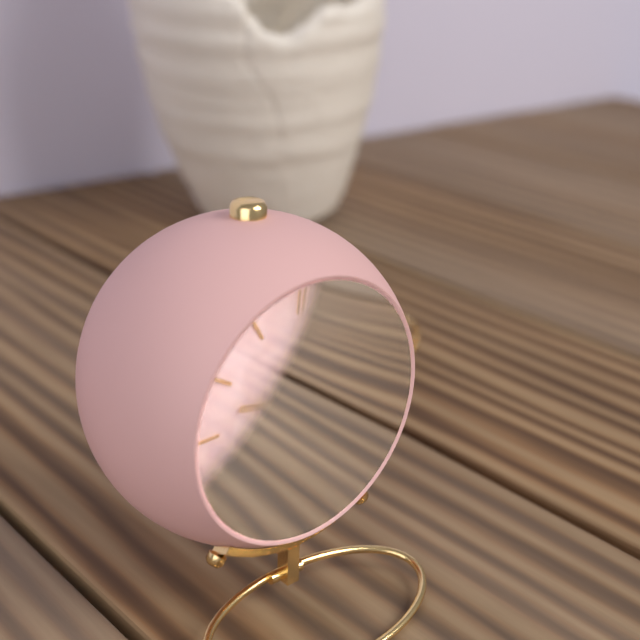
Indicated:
9:31:35
